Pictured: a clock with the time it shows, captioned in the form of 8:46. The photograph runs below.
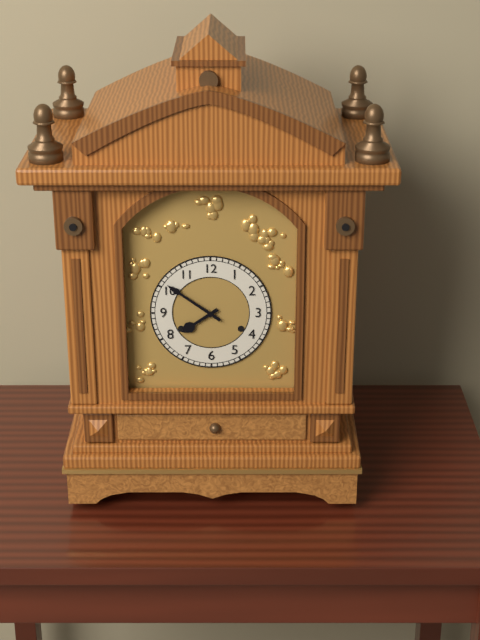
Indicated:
7:51
